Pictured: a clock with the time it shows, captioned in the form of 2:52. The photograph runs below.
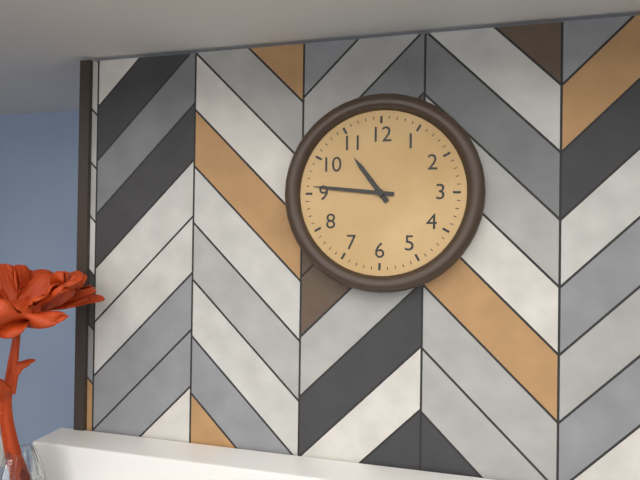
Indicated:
10:46
